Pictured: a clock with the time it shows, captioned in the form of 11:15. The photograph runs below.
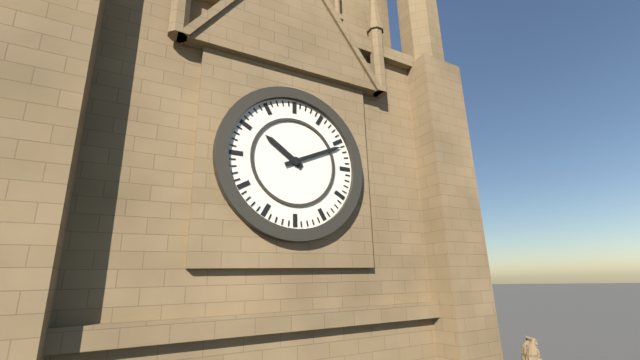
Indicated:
10:11
